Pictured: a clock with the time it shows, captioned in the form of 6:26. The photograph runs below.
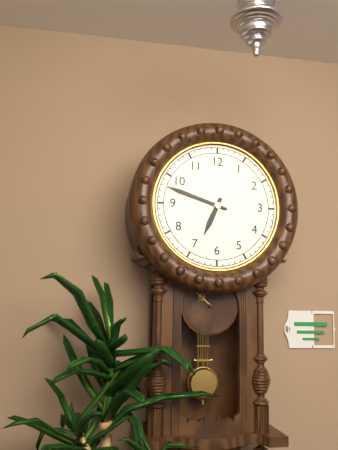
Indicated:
6:48
